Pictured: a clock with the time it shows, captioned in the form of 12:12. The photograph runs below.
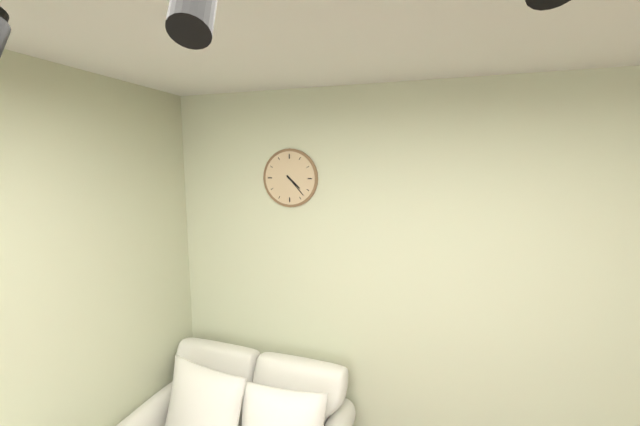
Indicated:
4:23
